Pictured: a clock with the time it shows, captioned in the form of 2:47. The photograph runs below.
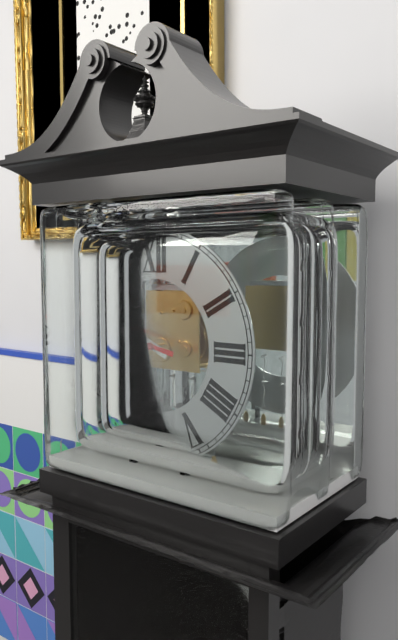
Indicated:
9:47
